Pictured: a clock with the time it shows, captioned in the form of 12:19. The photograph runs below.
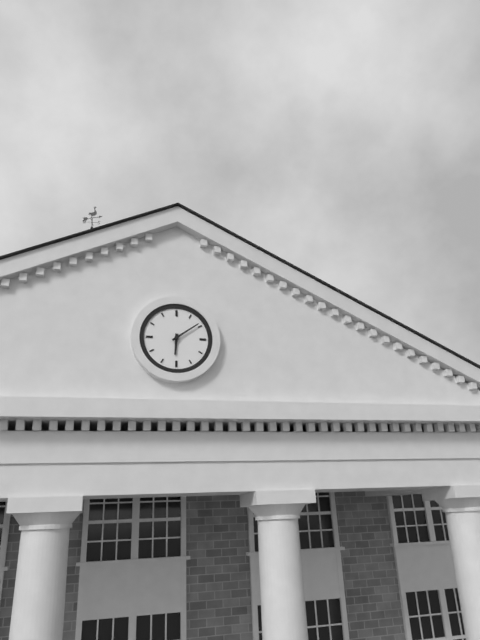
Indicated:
6:09
